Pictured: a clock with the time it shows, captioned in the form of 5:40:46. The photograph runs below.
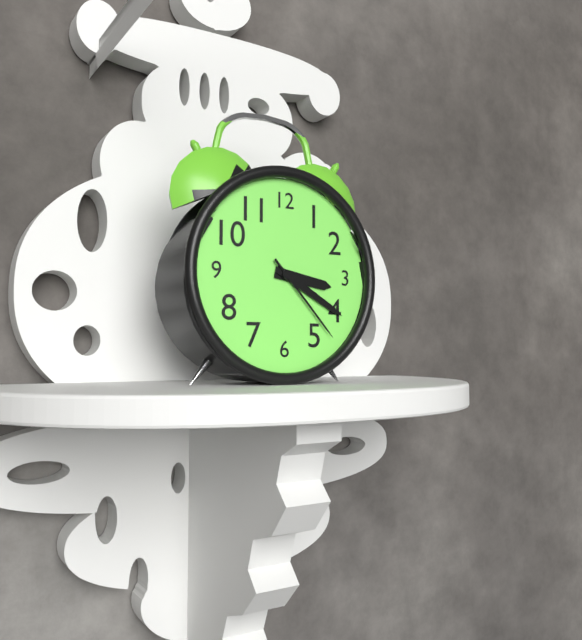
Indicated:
3:20:23
